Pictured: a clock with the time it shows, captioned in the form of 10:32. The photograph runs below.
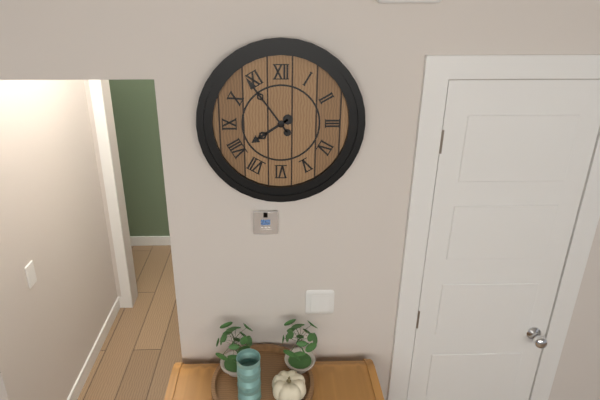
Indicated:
7:54
